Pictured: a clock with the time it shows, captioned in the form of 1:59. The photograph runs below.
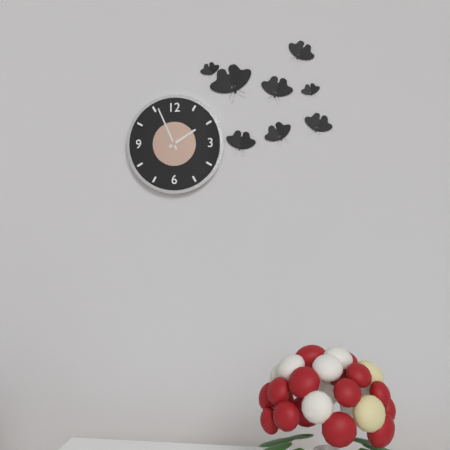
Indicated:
1:56
